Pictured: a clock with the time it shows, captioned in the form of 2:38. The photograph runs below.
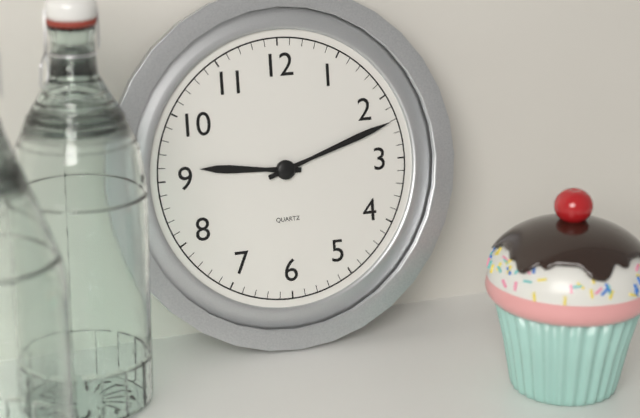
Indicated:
9:12
